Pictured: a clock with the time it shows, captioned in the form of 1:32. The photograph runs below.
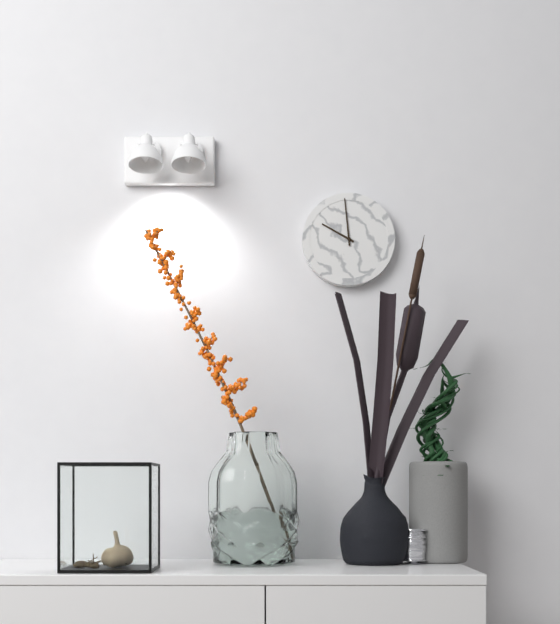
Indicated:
9:59
